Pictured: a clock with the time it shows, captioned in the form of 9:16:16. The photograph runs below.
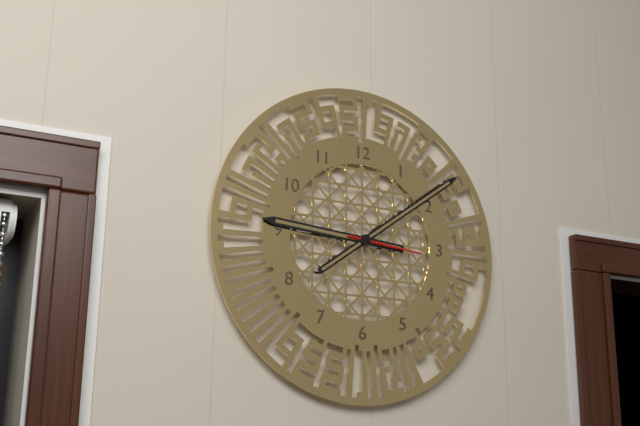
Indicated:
9:09:16
